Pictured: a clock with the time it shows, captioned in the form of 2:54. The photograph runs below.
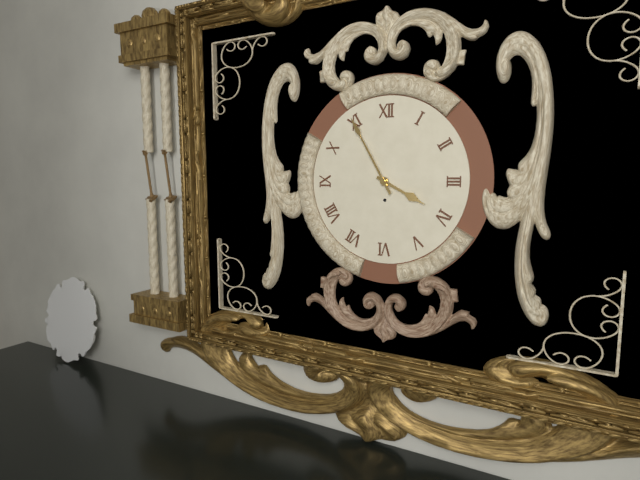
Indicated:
3:55
